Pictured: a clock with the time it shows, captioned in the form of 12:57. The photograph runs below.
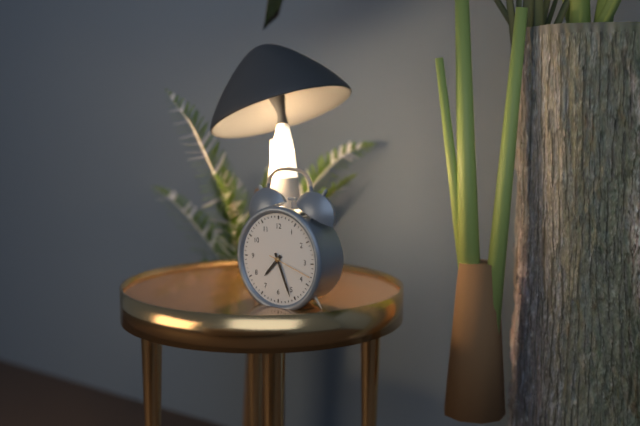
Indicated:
7:26
